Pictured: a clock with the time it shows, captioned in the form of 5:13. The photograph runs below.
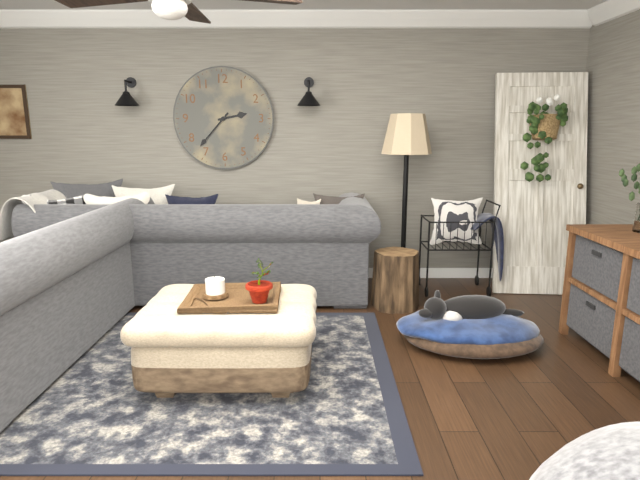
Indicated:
2:37
